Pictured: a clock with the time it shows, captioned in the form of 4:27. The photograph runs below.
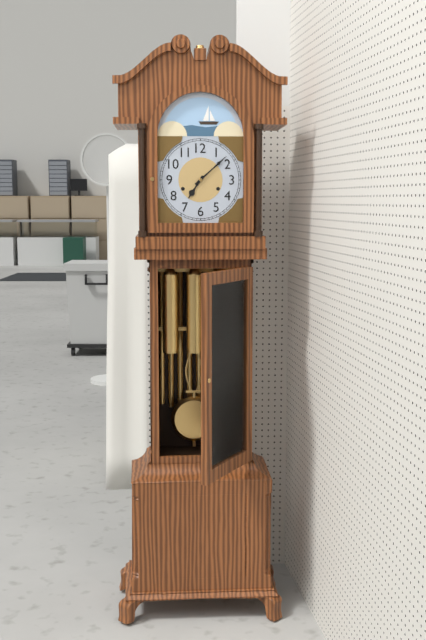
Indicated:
7:08
